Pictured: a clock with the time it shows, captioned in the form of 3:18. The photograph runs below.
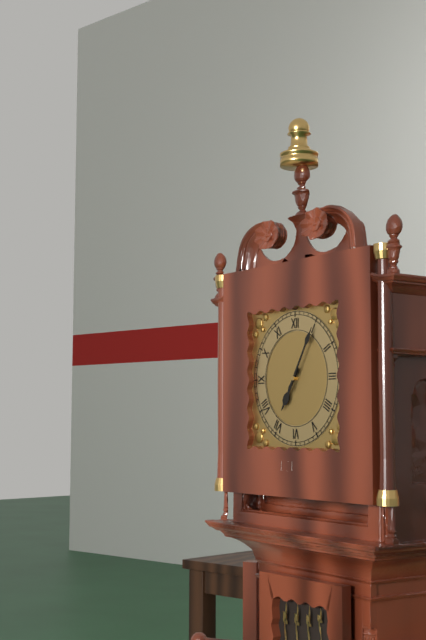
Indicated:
7:05
